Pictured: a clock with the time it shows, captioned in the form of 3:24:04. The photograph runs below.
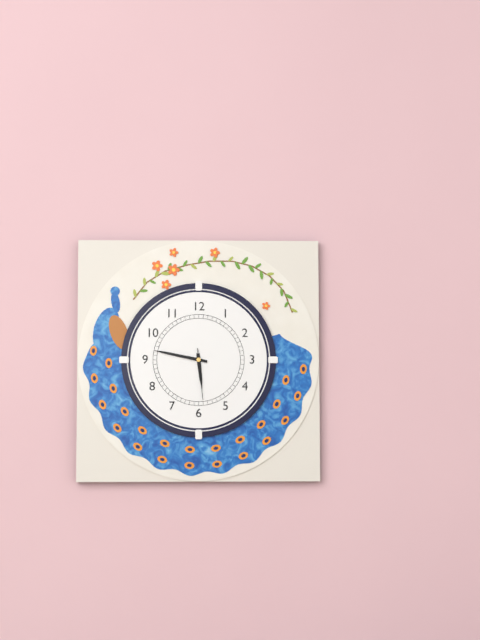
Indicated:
5:47:29
